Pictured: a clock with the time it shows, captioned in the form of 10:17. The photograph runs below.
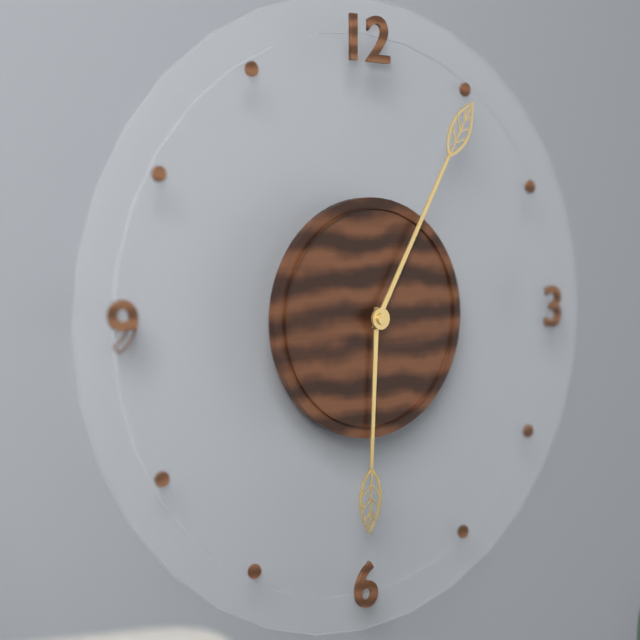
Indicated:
6:05
